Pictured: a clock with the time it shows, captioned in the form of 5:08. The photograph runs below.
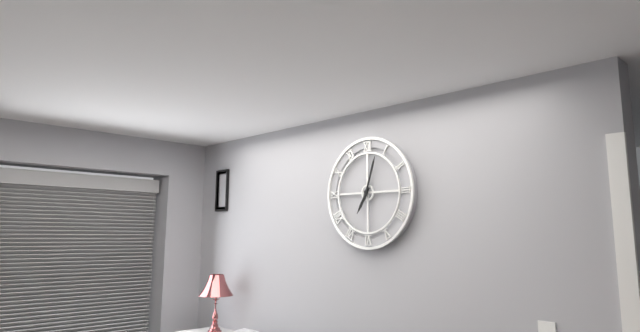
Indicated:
7:03
